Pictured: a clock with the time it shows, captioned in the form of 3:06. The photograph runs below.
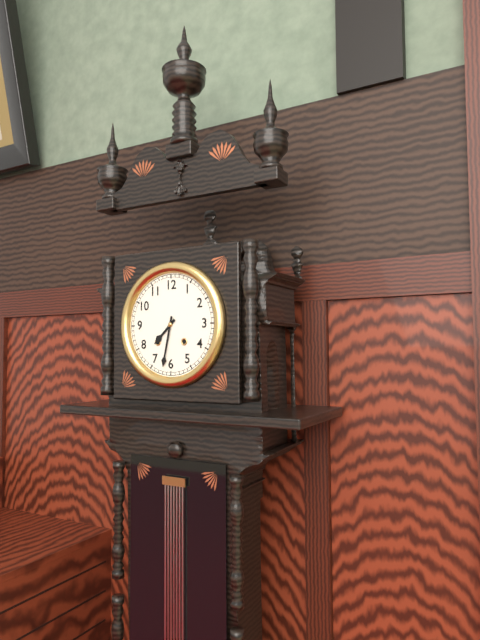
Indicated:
7:32
